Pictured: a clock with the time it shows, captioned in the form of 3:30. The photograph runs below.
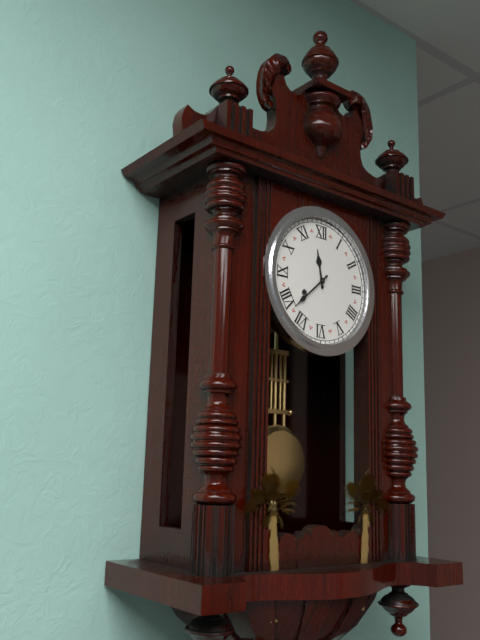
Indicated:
11:38
